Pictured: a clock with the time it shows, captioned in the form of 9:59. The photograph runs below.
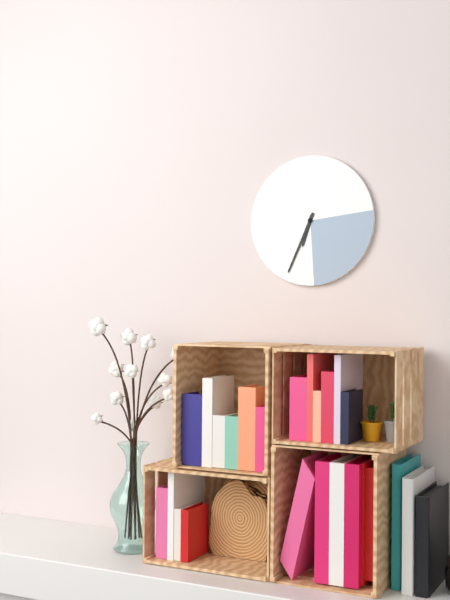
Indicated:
6:34
